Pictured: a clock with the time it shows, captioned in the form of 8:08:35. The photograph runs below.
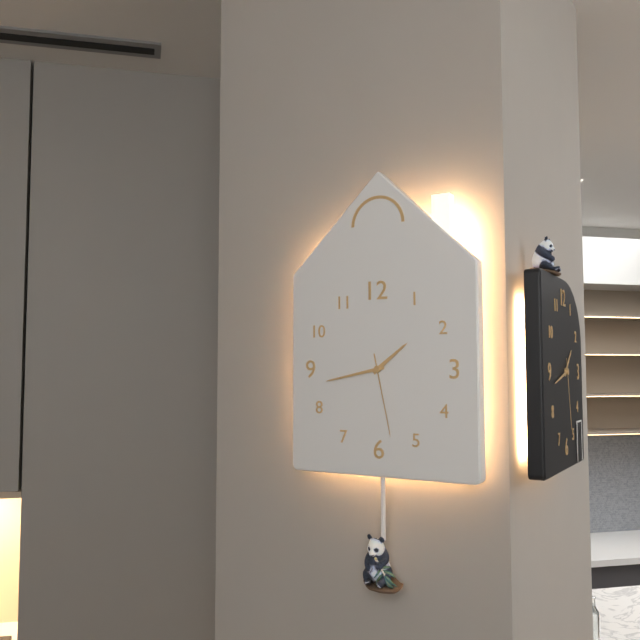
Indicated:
1:43:28
